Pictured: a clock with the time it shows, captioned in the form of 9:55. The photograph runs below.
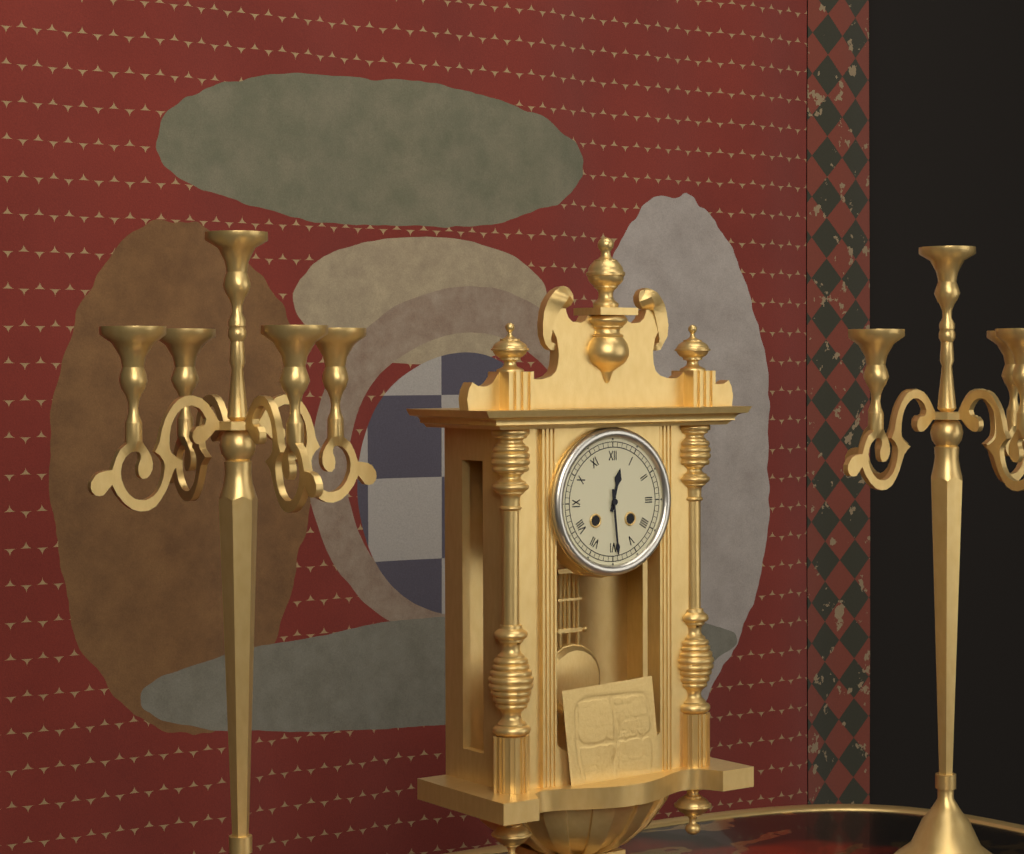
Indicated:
12:29
